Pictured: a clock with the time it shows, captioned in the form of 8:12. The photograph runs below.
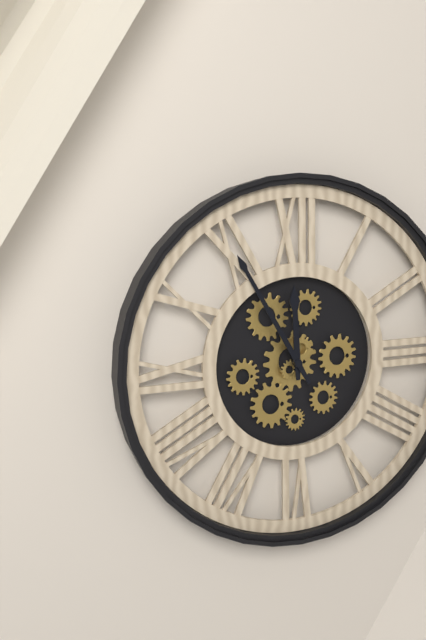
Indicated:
11:55
